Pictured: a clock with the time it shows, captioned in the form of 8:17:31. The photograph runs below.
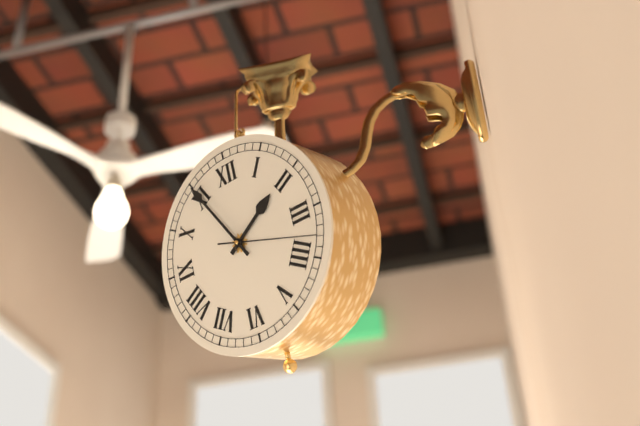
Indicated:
1:55:18
